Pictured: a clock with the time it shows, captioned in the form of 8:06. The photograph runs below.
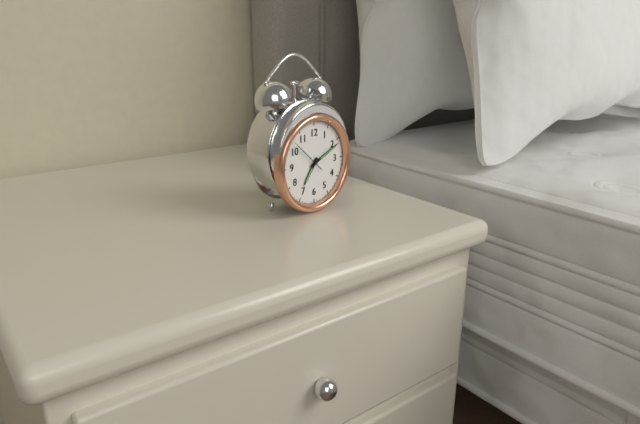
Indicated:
7:11
